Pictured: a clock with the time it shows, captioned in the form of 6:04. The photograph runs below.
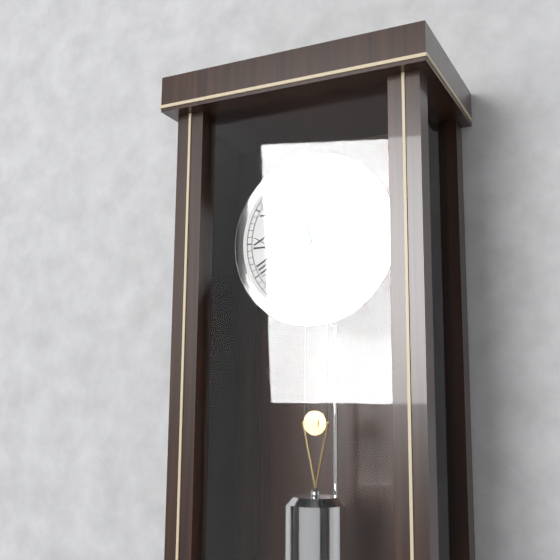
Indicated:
11:35
